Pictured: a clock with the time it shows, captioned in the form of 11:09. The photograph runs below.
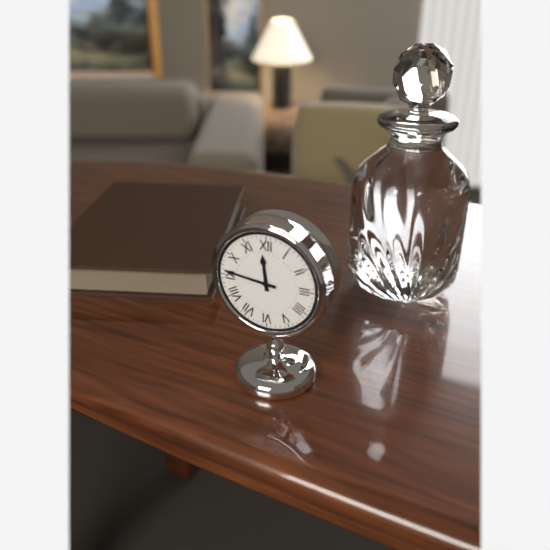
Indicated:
11:46
